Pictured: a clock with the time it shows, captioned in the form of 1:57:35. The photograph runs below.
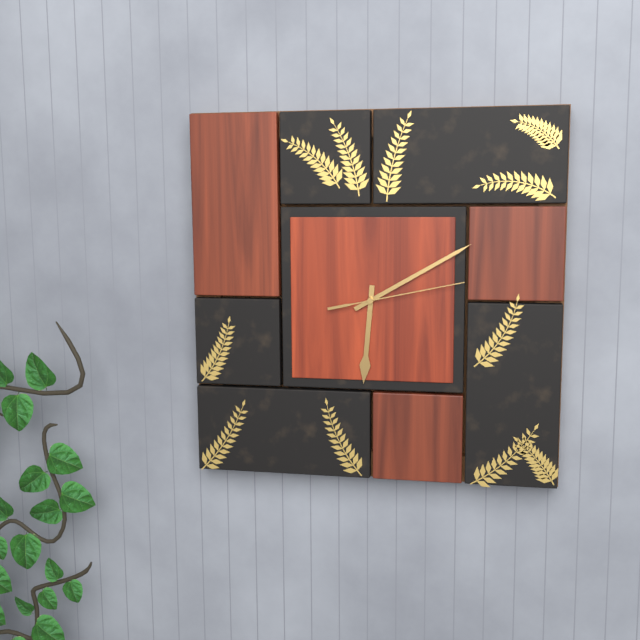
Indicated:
6:10:13
